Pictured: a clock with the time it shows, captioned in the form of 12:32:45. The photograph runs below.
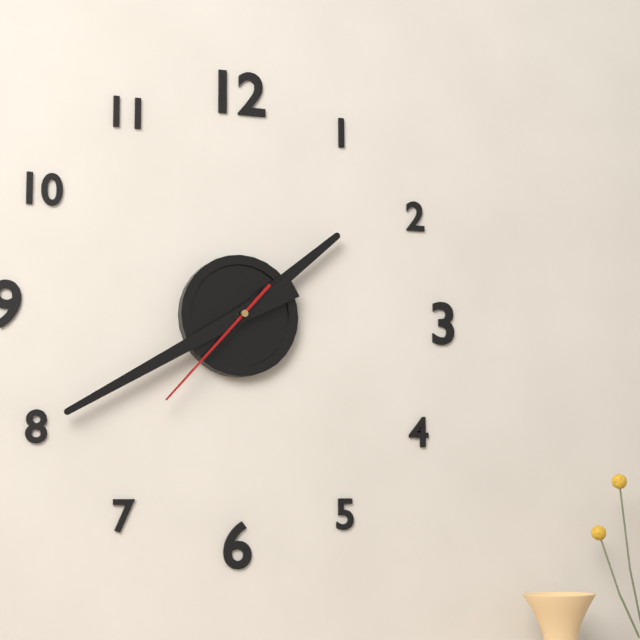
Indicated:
1:40:37
